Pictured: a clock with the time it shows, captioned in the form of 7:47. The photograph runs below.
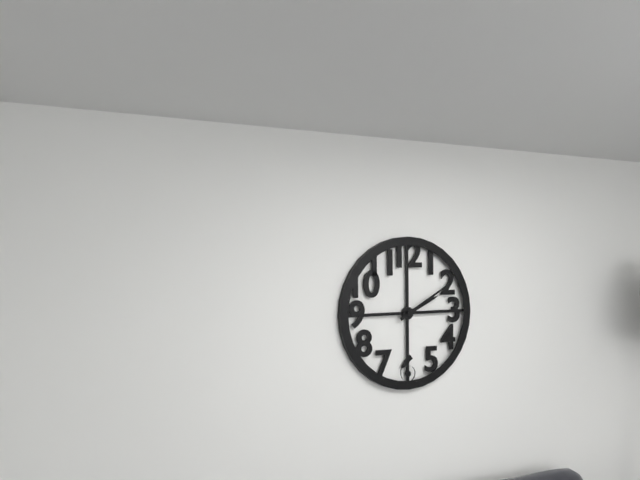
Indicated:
2:10
